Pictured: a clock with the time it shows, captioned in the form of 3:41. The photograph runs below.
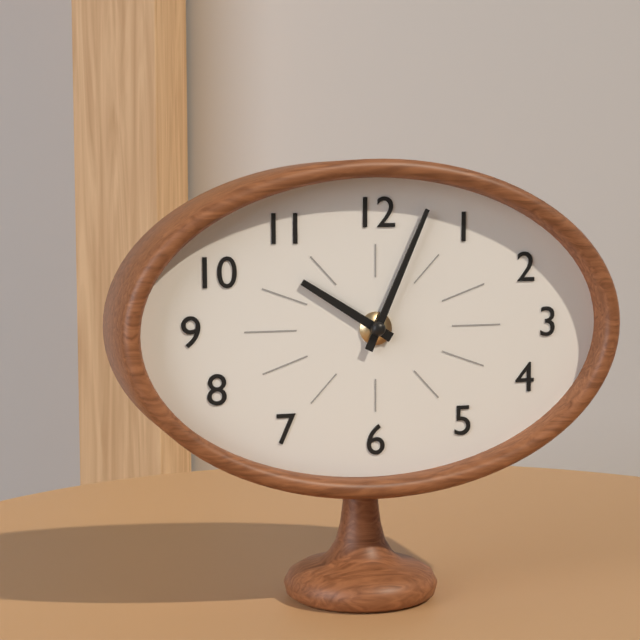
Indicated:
10:04
